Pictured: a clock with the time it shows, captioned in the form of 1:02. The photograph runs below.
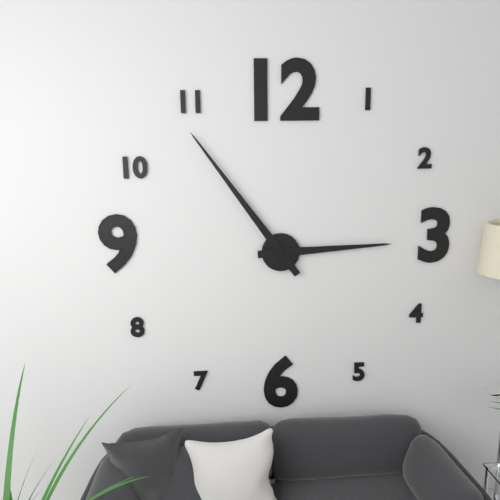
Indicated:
2:54
